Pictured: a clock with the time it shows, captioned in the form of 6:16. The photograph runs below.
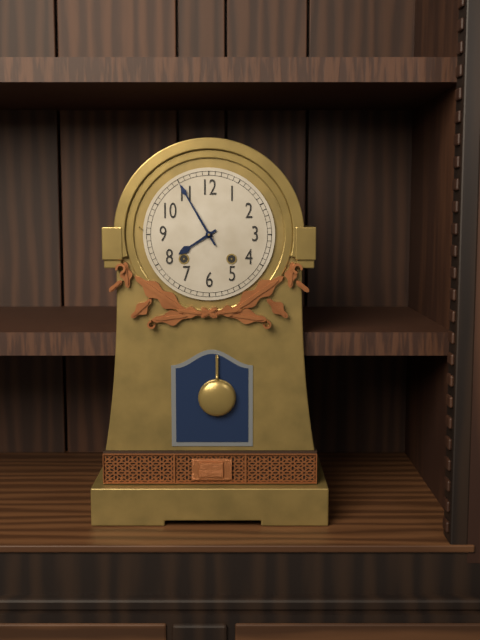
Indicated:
7:55
